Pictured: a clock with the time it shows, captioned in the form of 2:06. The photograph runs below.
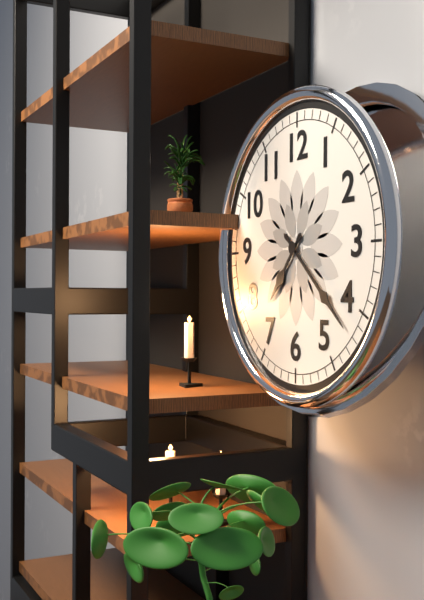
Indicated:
7:22
